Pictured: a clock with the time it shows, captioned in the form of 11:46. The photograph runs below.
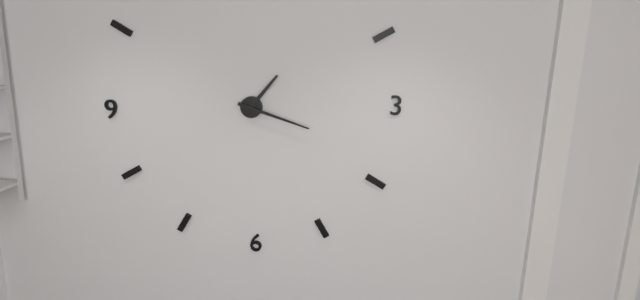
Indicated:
1:18
